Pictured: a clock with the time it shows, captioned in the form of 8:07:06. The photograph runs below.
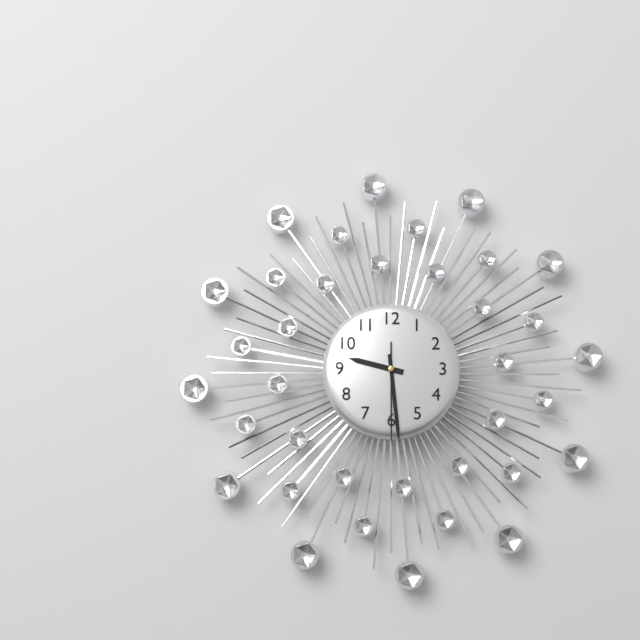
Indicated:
9:29:30
